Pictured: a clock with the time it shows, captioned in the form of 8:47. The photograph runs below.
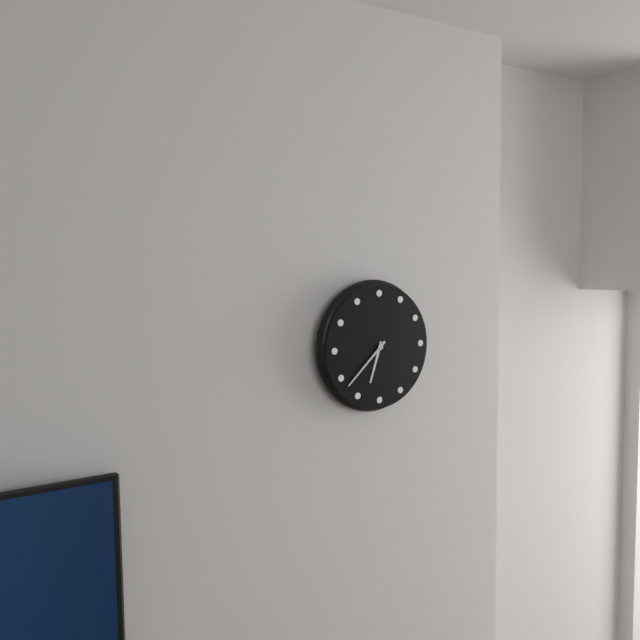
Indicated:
6:38
